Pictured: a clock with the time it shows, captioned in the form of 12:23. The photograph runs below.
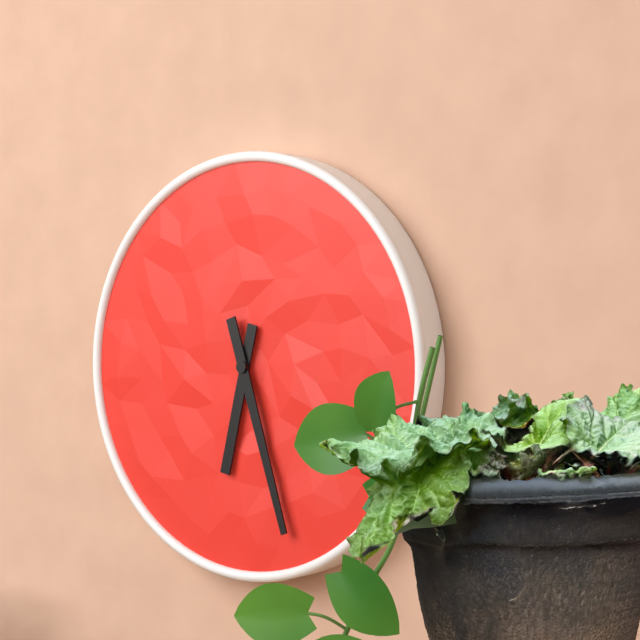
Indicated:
6:27
